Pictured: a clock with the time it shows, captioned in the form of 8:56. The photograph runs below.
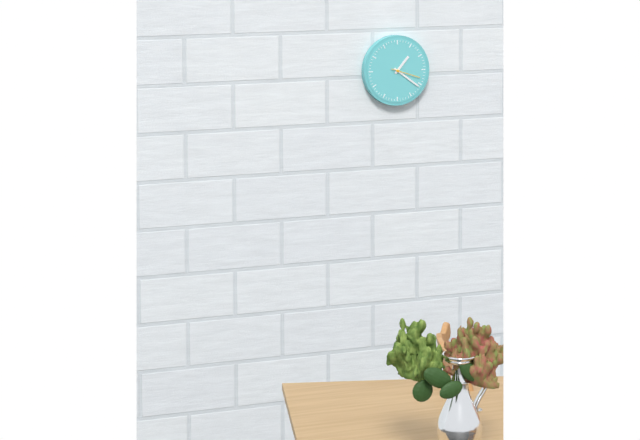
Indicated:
1:21
